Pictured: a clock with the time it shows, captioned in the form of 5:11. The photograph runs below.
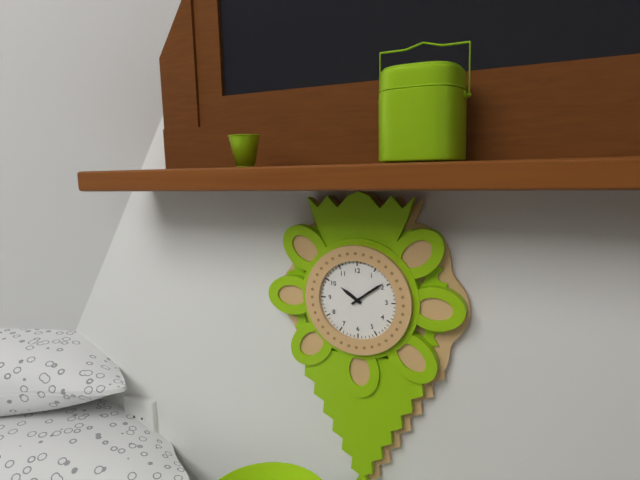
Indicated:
10:09
